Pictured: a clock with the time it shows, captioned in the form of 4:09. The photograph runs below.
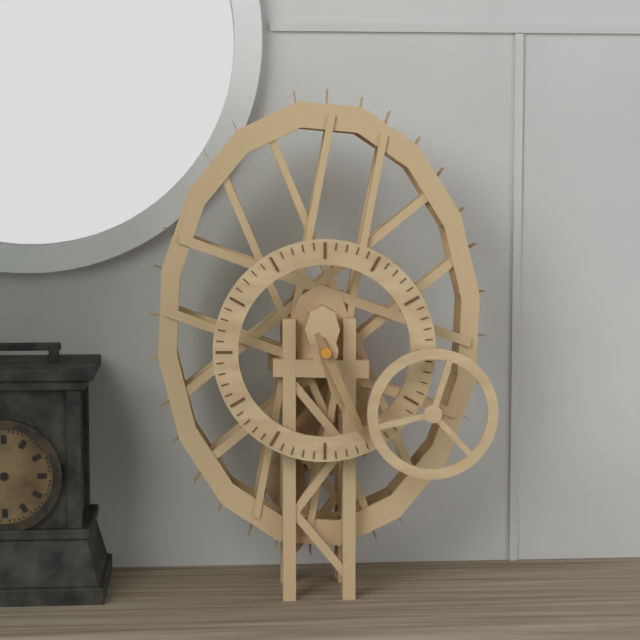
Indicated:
5:26
